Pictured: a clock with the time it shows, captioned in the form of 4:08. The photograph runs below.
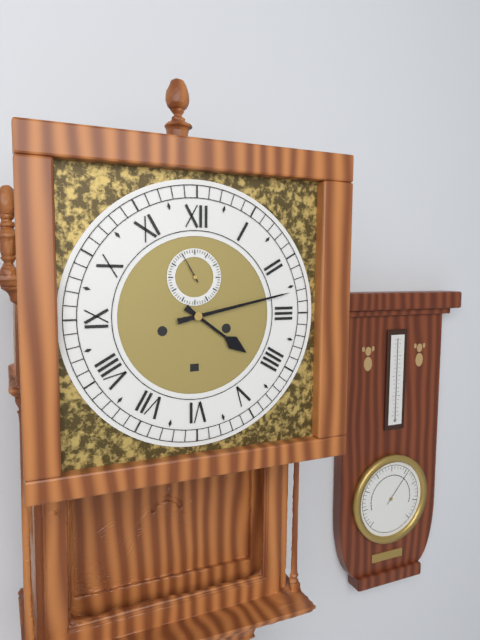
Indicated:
4:13
